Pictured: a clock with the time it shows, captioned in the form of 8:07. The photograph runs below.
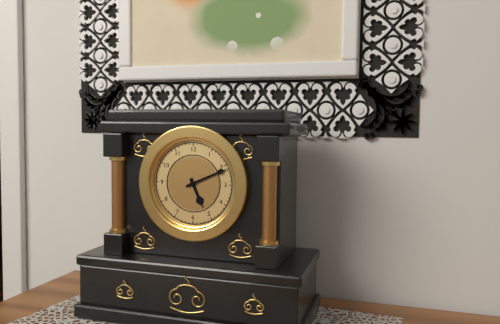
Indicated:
5:11
